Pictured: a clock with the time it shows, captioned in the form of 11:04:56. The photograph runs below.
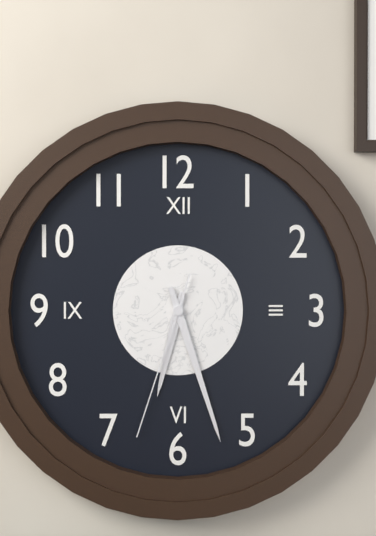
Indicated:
6:27:33
